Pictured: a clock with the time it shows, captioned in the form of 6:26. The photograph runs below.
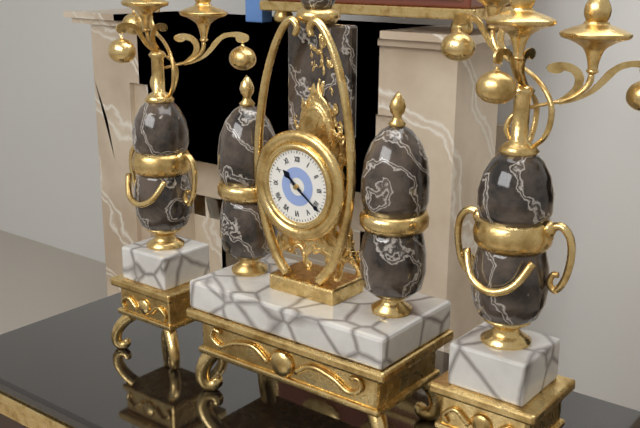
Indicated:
10:21
